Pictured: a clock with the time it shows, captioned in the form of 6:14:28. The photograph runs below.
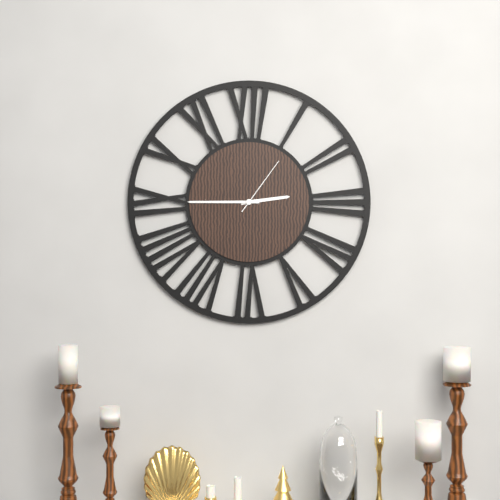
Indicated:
2:45:06
